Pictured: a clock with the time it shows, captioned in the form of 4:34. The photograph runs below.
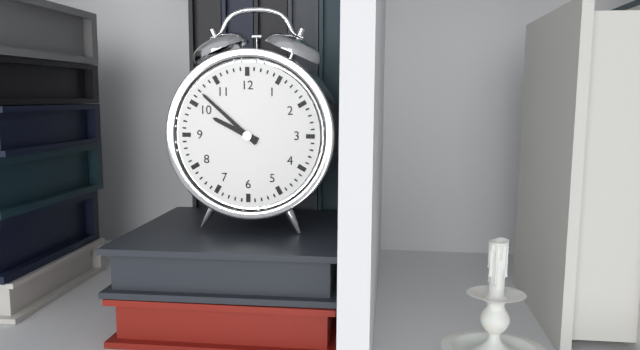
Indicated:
9:52
